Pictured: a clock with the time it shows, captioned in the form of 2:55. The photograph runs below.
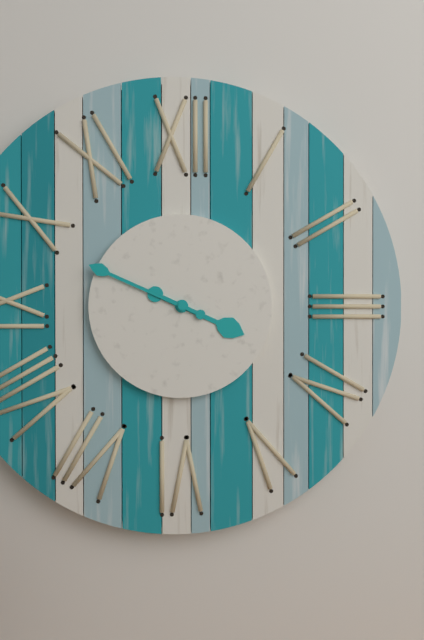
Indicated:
3:49
